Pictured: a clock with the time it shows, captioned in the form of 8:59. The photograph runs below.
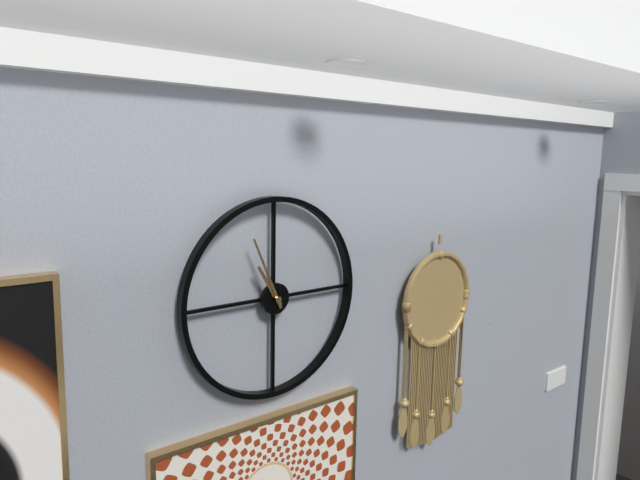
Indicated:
10:56
